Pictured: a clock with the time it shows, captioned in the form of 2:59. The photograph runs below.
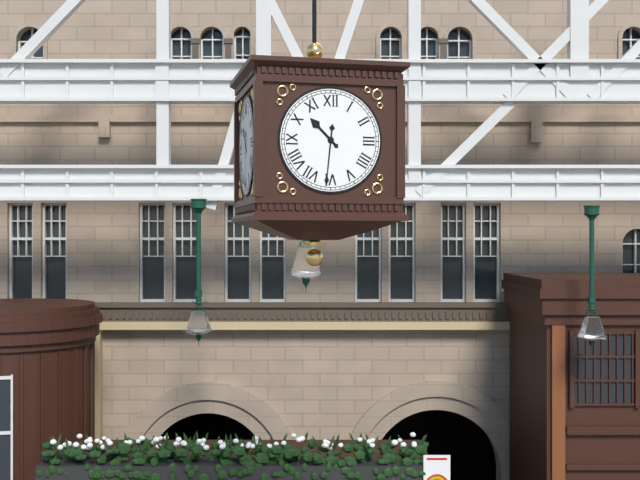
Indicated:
10:31
